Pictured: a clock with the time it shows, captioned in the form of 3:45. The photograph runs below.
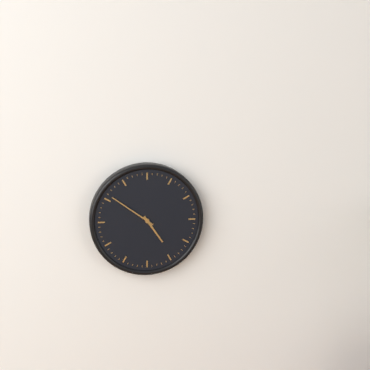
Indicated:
4:51
